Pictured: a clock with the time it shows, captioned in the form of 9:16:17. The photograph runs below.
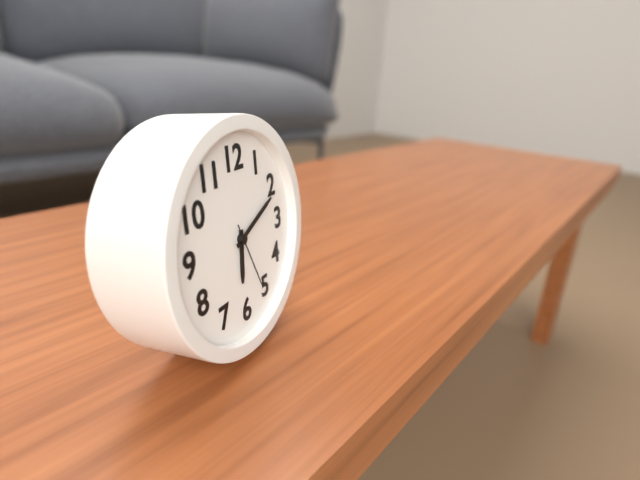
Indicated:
6:11:26
